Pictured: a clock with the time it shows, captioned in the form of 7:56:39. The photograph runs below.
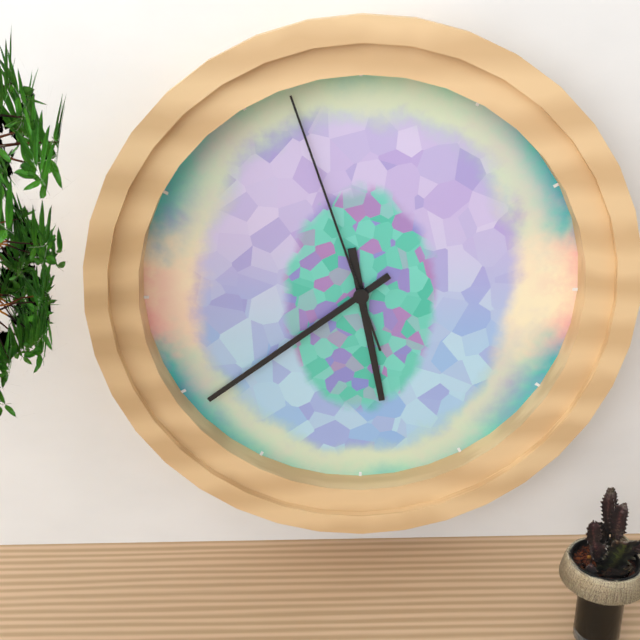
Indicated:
5:39:57
